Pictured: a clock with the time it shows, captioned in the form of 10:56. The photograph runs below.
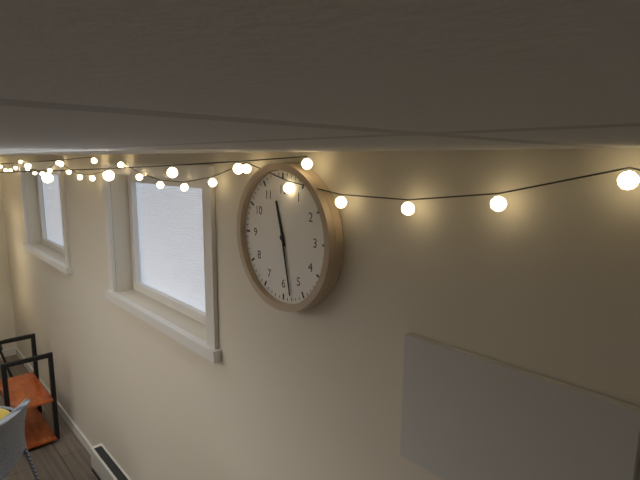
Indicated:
11:28
